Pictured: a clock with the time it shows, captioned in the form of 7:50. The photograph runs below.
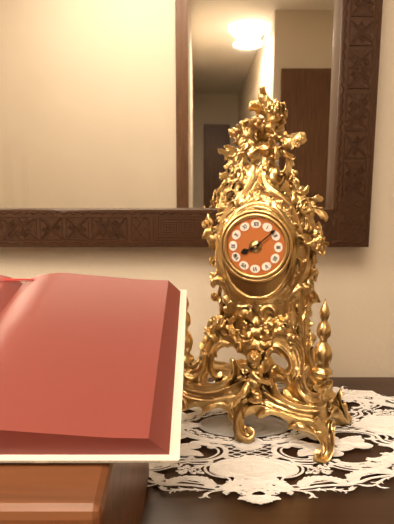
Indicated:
8:08
